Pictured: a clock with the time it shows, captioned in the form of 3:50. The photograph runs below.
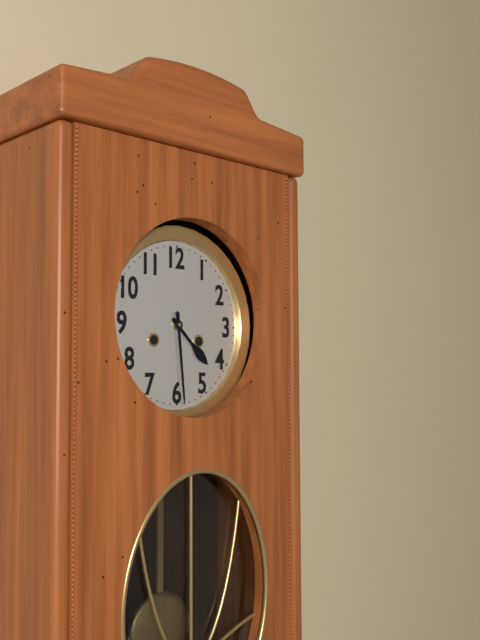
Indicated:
4:29
